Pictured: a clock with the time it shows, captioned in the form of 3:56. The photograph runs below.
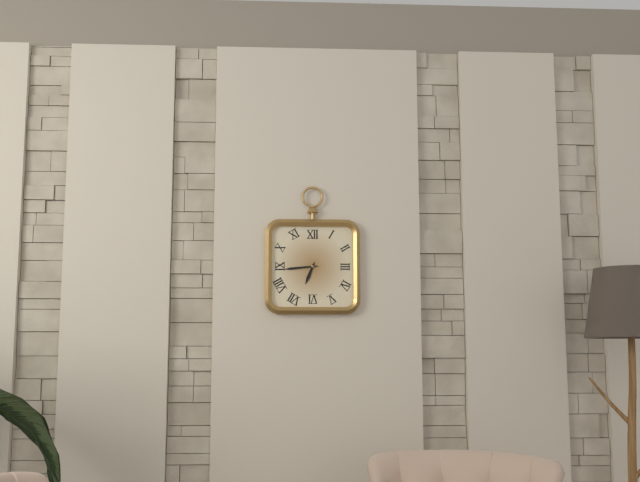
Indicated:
6:44
